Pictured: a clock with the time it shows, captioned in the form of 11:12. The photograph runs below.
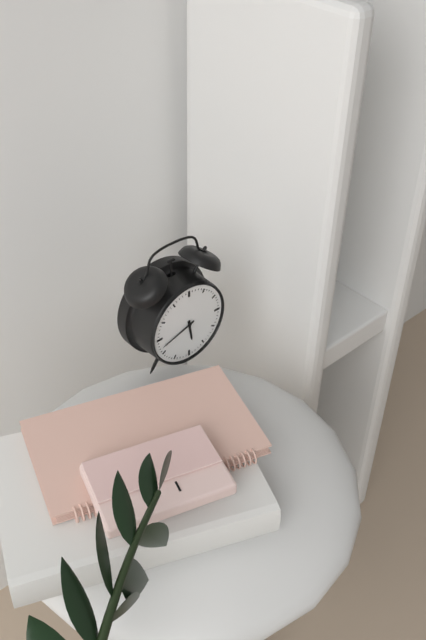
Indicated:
5:42
